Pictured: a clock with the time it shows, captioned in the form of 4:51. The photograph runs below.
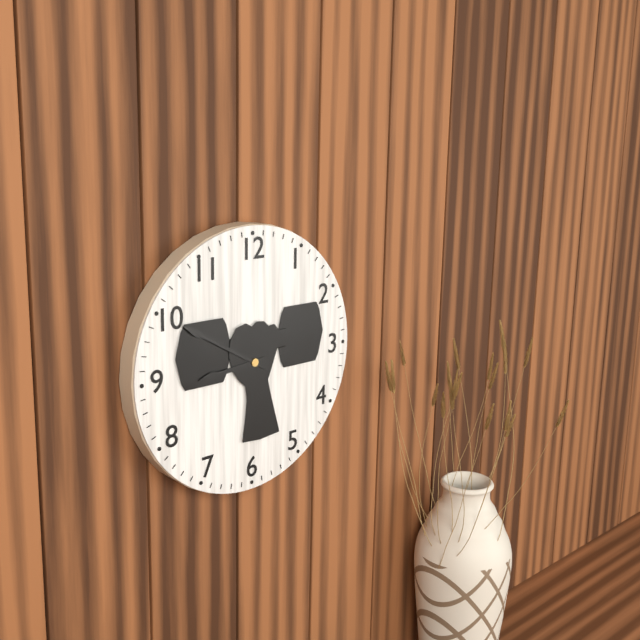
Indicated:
8:50
